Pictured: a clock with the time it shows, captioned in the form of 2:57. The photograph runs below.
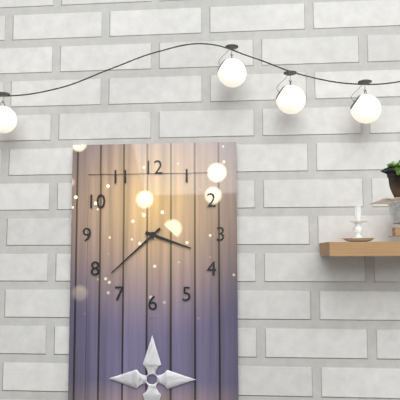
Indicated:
3:38
